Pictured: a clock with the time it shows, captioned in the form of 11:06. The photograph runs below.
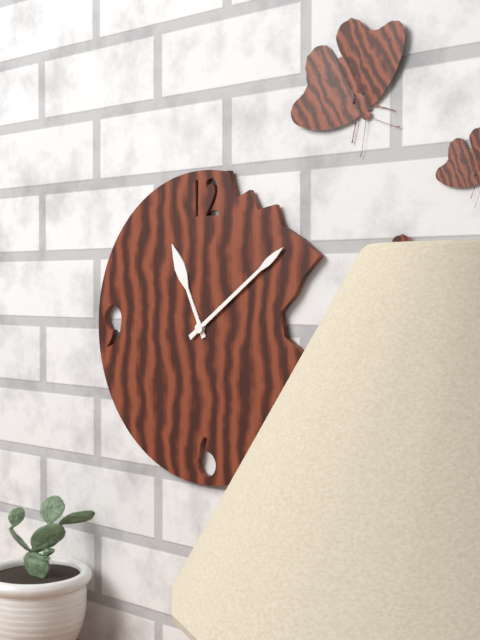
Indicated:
11:09
